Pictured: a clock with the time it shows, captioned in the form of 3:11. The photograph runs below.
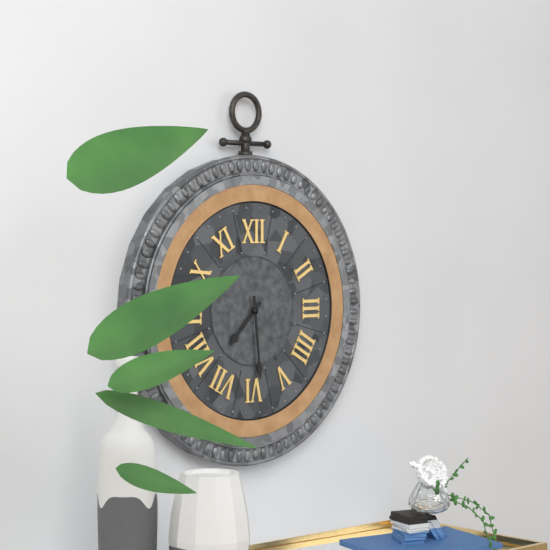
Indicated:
7:29
